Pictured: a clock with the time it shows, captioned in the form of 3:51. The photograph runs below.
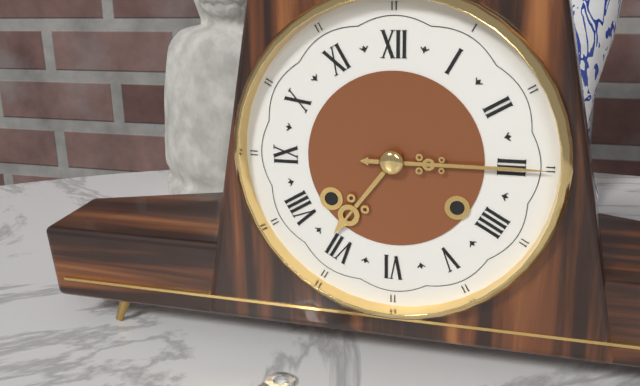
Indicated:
7:15
